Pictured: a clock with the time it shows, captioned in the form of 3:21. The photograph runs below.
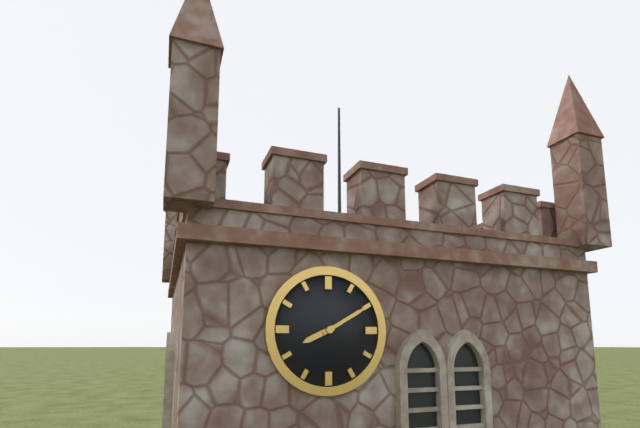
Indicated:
8:10
